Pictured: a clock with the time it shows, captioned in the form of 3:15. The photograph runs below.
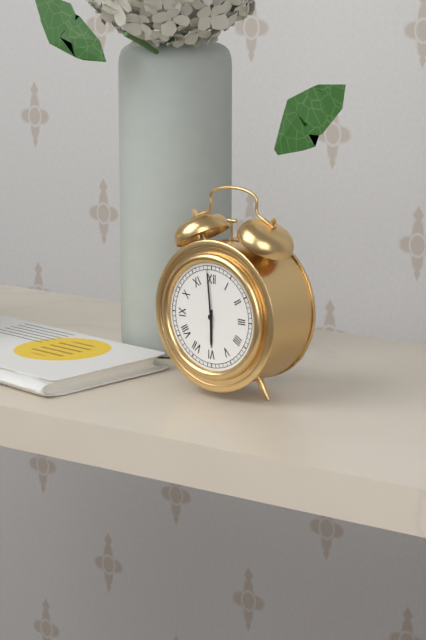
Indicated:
5:59
